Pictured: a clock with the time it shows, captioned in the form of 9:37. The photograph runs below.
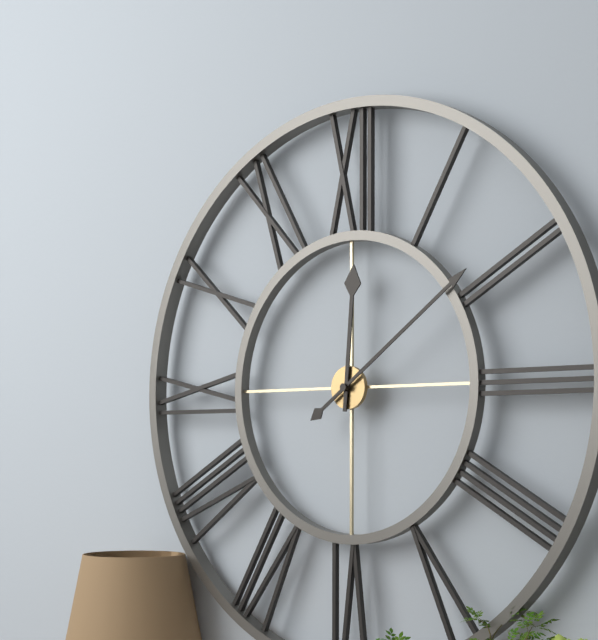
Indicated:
12:09
